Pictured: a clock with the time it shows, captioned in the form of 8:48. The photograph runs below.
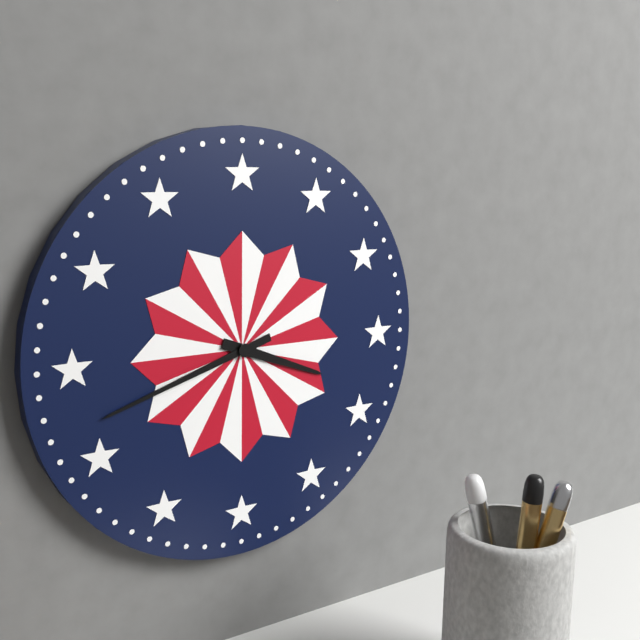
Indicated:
3:42
